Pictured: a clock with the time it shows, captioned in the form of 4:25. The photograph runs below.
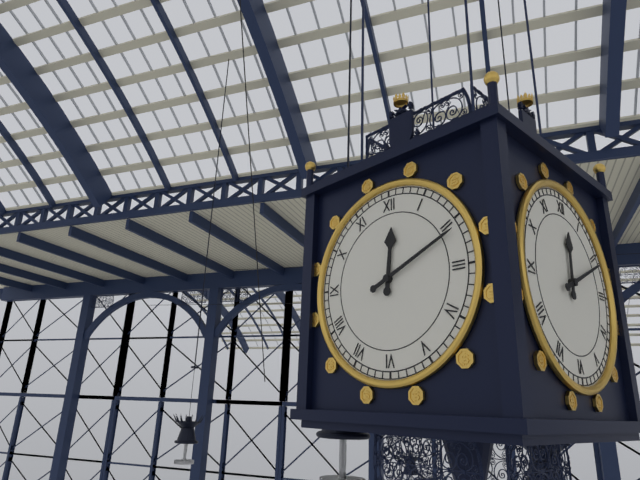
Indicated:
12:11
